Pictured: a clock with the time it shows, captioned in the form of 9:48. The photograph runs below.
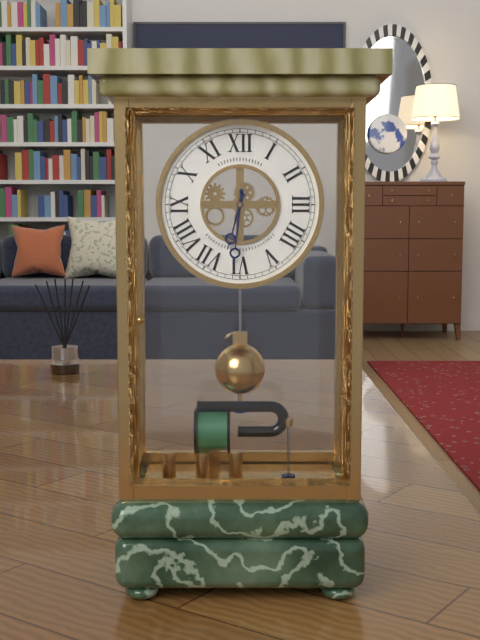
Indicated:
6:31
